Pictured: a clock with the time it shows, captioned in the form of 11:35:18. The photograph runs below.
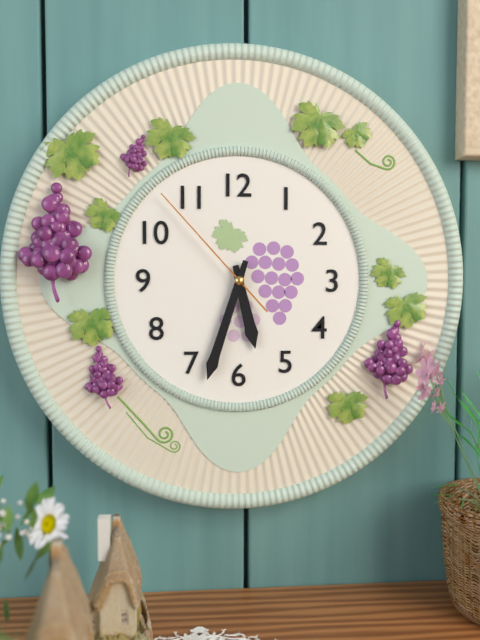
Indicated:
5:33:53
